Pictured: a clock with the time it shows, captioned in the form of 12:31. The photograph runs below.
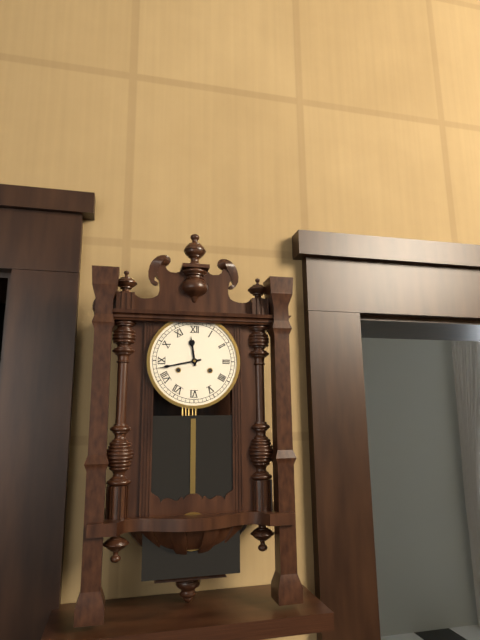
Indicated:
11:43
